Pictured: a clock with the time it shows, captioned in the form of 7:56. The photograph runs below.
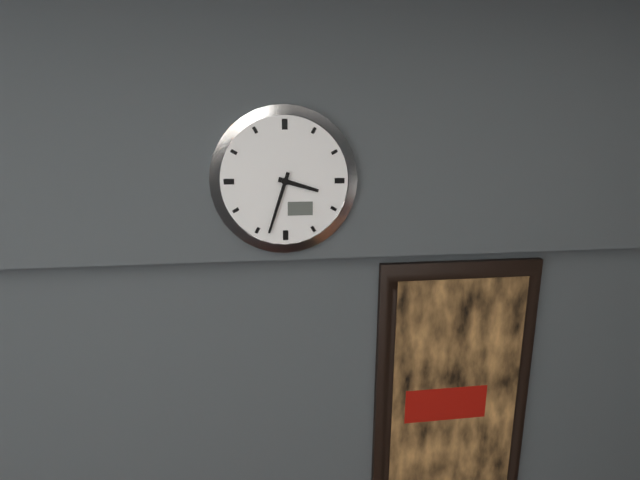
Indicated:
3:33
